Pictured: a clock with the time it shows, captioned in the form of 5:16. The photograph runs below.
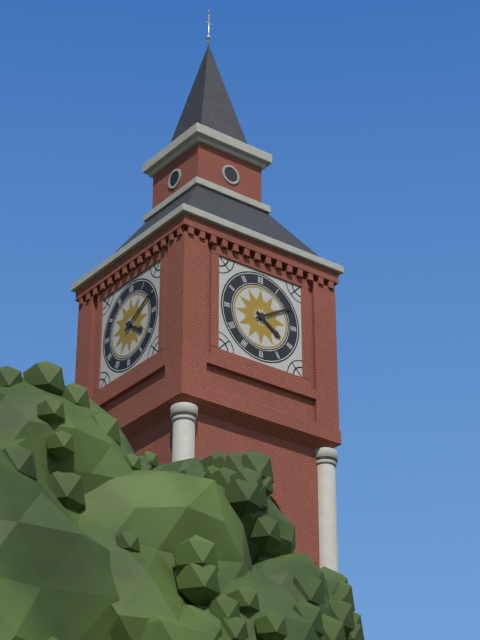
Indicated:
4:10
